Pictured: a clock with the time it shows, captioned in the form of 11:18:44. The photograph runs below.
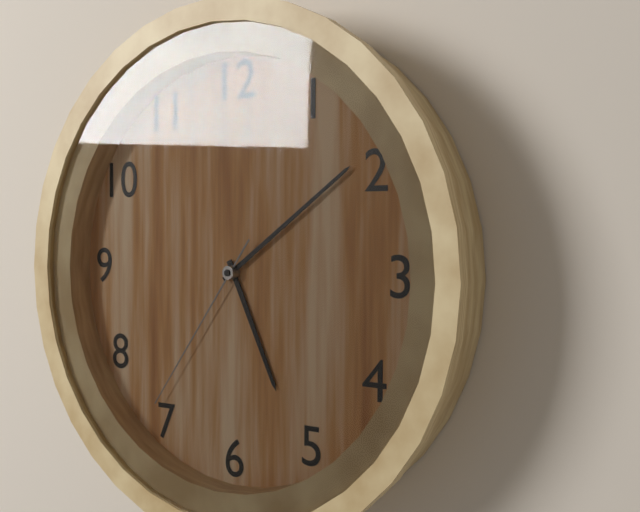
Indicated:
5:09:36
